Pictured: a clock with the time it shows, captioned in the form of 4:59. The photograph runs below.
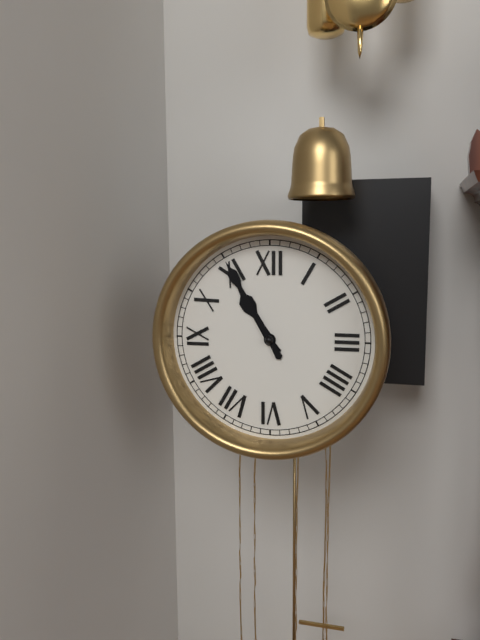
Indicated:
10:55
